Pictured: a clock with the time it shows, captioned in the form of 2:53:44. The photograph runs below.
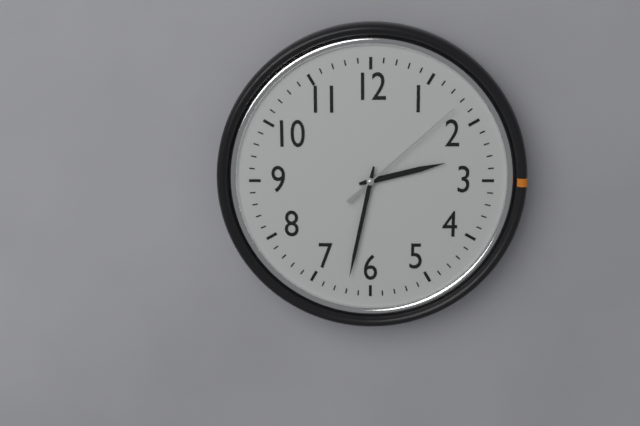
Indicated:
2:32:08
